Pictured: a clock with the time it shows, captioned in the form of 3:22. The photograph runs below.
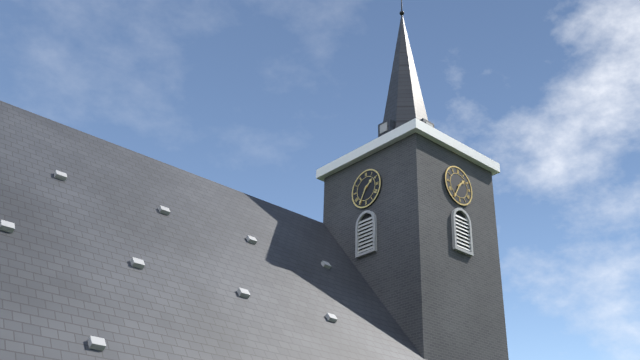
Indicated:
1:35
